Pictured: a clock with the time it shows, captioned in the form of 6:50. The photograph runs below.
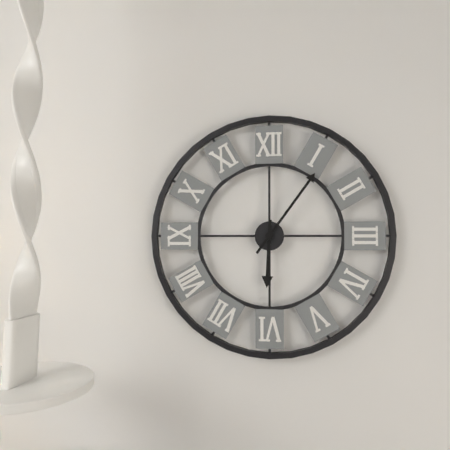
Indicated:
6:06
